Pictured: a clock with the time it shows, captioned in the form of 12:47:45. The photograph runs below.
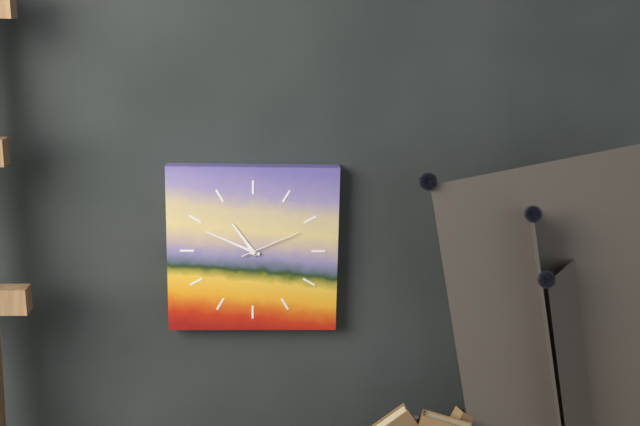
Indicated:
10:49:11
